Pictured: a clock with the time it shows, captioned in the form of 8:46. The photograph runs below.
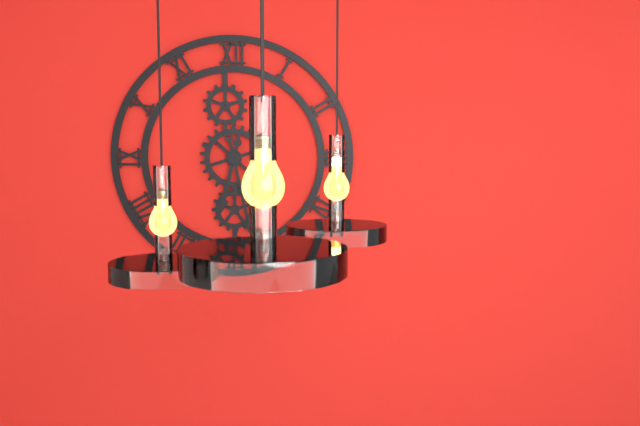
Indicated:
6:28
